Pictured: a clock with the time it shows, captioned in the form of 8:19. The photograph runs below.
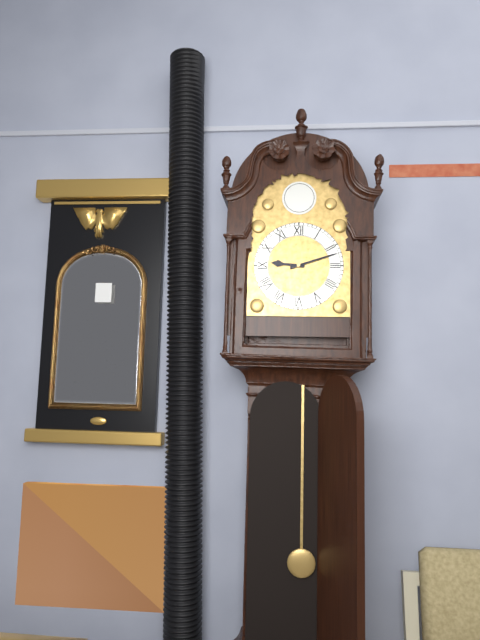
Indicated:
9:12
